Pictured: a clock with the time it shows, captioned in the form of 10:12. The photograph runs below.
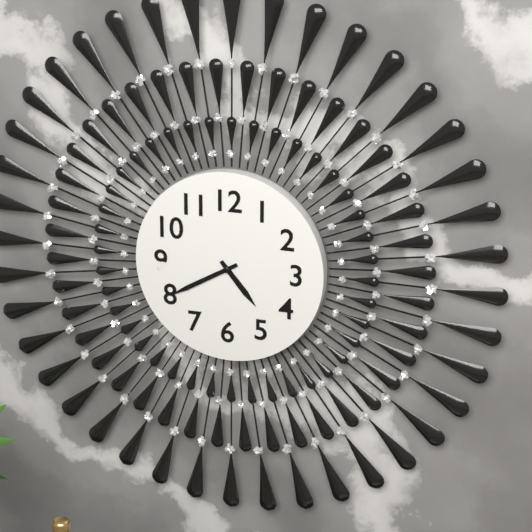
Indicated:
4:40
